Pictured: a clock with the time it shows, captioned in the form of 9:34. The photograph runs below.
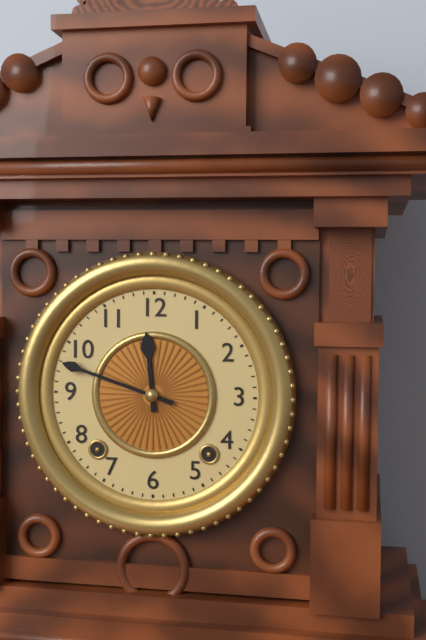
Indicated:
11:48
